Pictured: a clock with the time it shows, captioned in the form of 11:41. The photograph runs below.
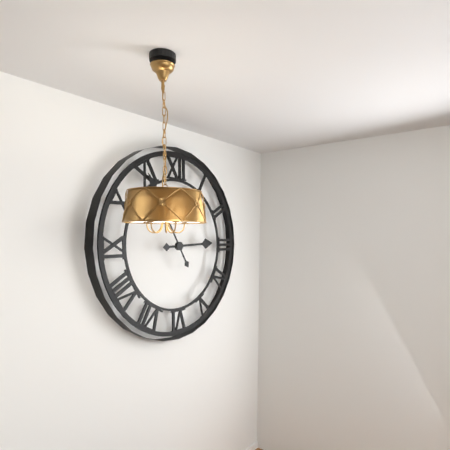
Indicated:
2:55
